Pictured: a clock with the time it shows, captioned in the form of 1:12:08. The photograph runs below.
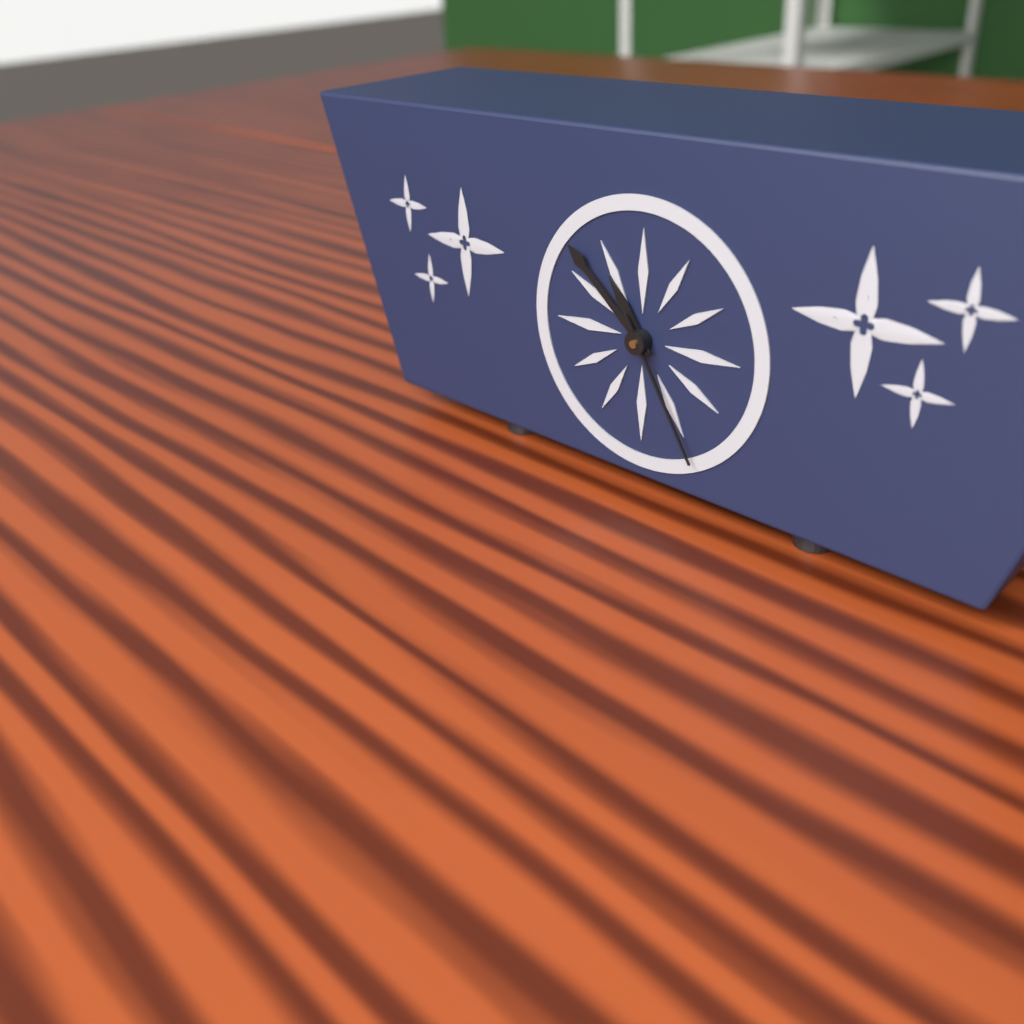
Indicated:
10:52:25
